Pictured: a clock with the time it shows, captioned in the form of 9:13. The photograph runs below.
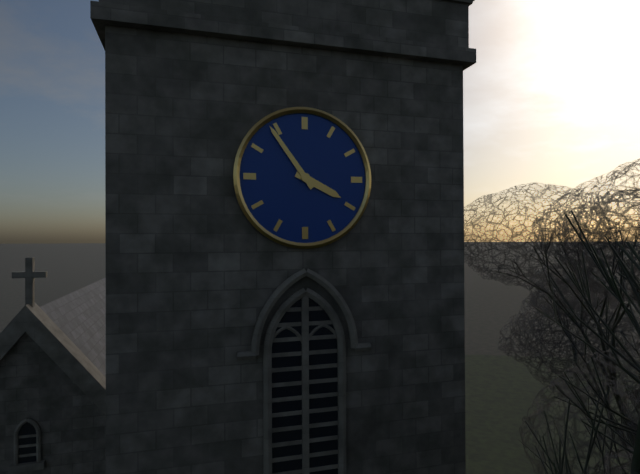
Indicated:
3:54
